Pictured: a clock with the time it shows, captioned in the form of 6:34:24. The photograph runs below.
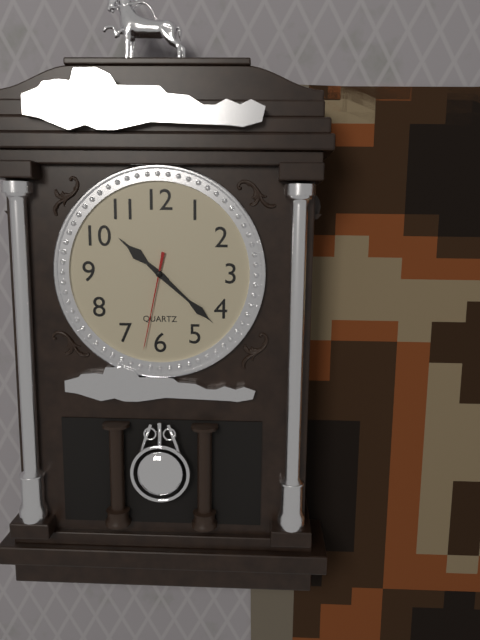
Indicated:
10:22:32
